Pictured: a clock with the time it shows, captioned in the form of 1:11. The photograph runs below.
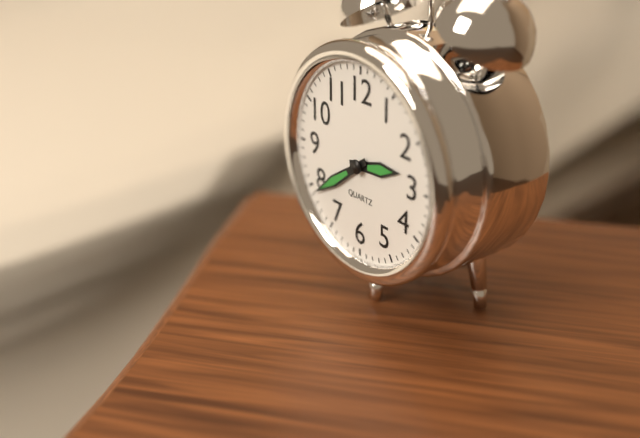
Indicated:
2:39
